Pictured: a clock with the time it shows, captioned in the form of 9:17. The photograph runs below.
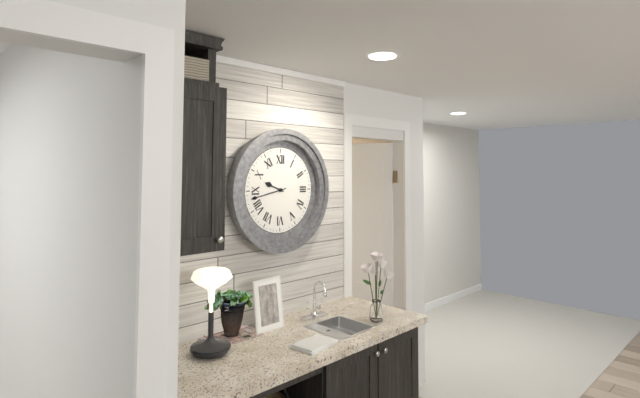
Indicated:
9:43
